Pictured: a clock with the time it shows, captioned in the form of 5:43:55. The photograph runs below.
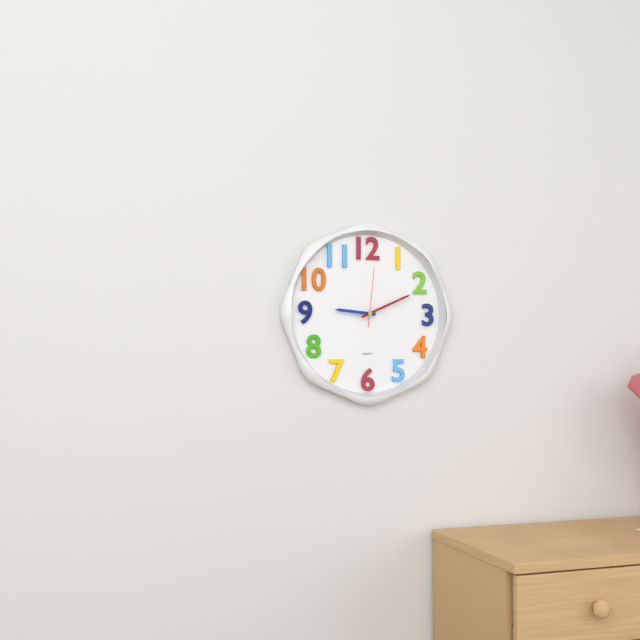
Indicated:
9:11:01
